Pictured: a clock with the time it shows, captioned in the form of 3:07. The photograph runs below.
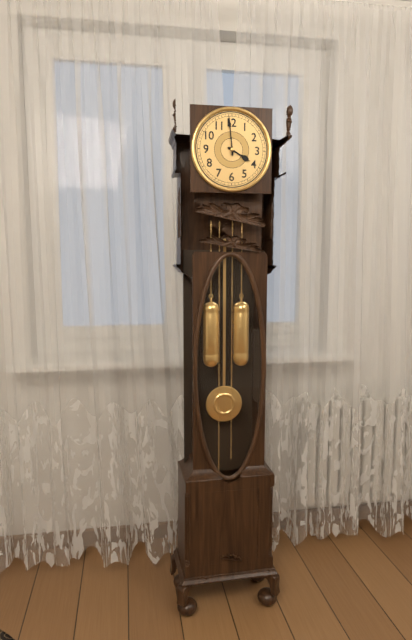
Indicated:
3:59
